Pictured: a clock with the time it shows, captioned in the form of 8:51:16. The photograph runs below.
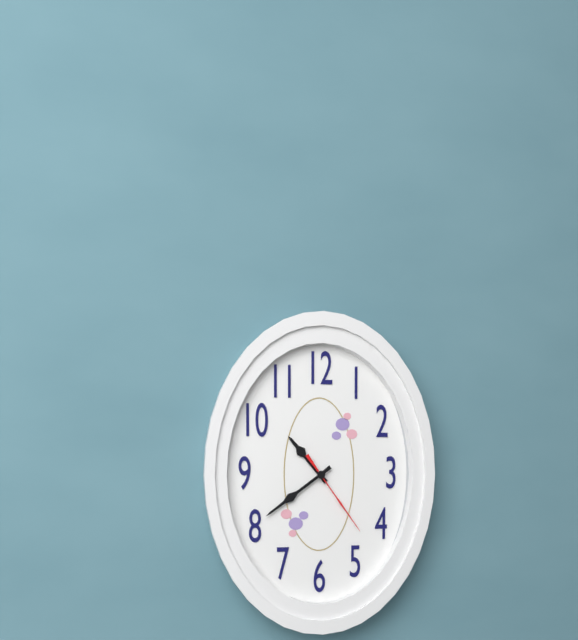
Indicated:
10:39:24
